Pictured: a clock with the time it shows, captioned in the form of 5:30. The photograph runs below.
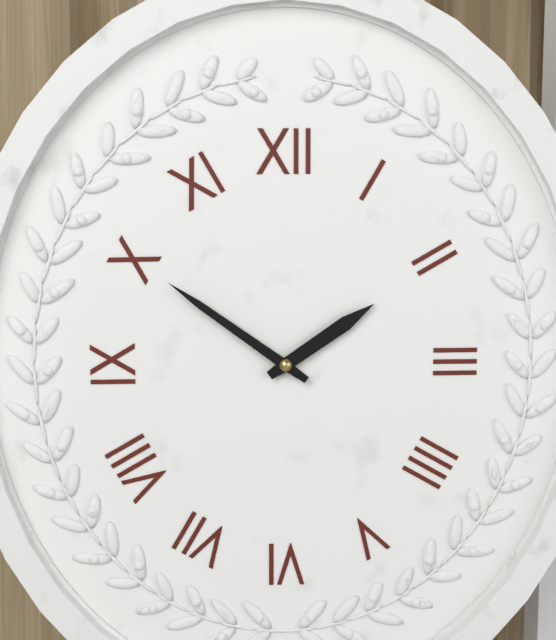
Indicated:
1:51
